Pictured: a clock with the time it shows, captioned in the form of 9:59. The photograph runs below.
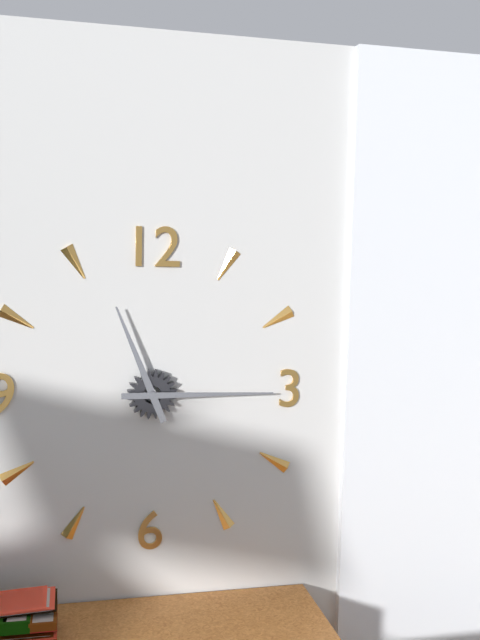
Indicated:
11:15
